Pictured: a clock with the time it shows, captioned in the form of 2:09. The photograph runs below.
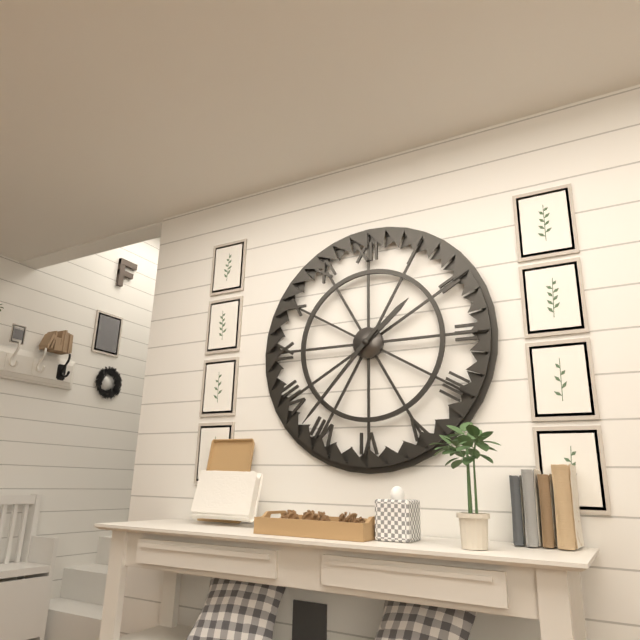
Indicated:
1:37
